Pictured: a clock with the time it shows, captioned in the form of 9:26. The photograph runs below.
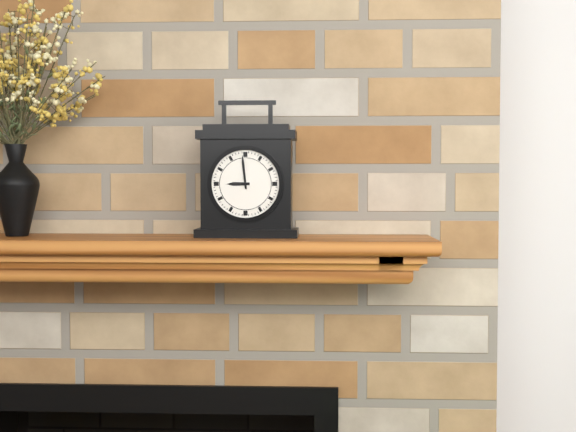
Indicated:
8:59
